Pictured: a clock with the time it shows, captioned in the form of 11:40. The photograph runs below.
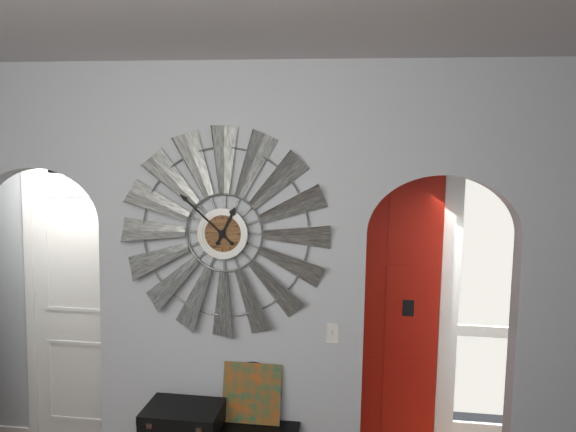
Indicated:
12:52
